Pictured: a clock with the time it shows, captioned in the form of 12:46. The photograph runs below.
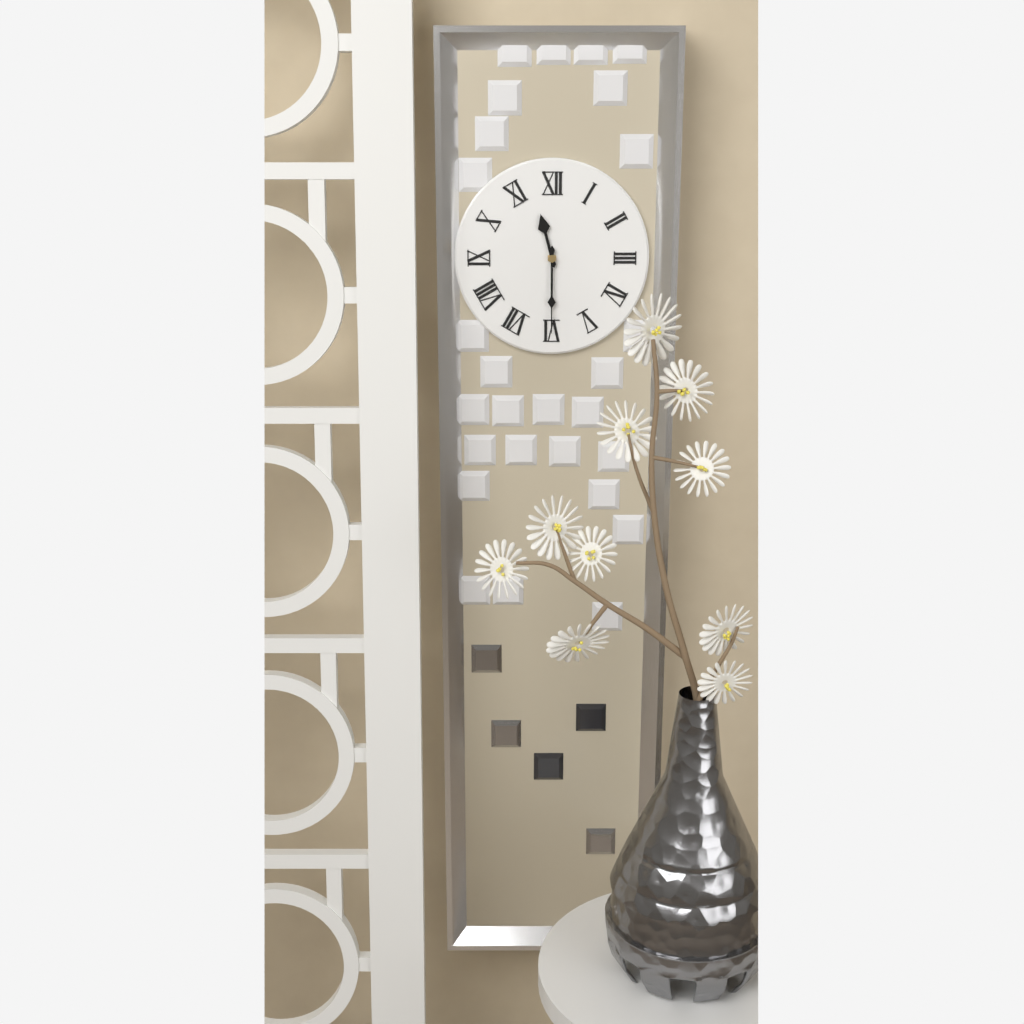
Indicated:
11:30
